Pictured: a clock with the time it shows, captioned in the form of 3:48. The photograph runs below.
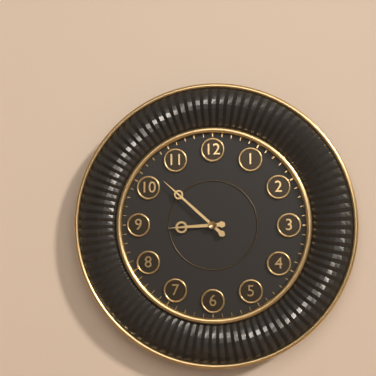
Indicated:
8:52
